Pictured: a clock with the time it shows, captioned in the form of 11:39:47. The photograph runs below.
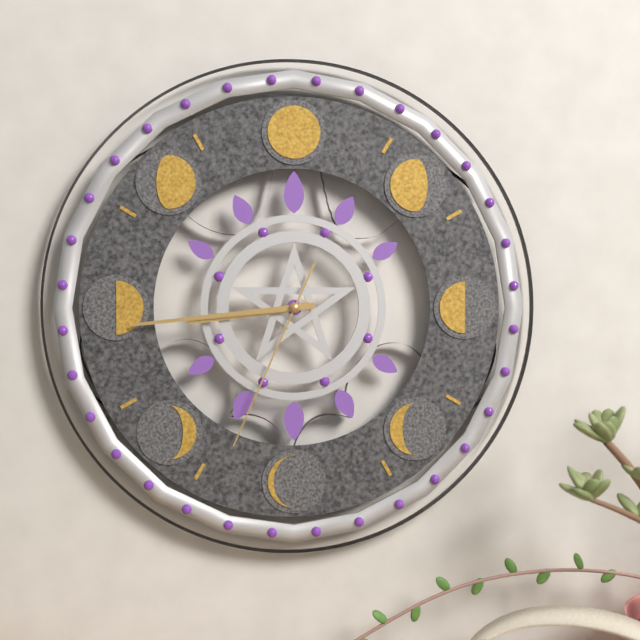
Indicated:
8:44:34
